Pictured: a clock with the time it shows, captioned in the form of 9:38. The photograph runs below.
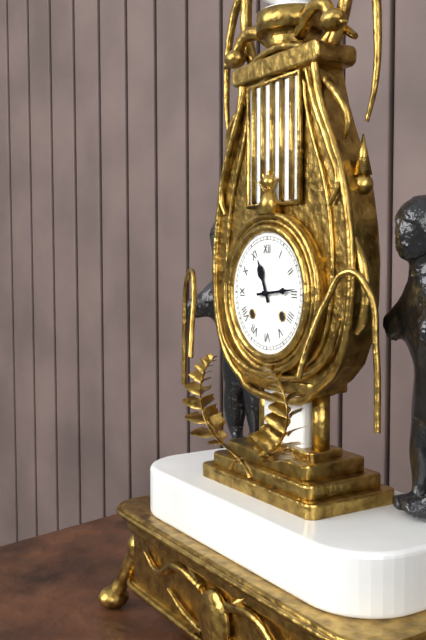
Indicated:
11:14
